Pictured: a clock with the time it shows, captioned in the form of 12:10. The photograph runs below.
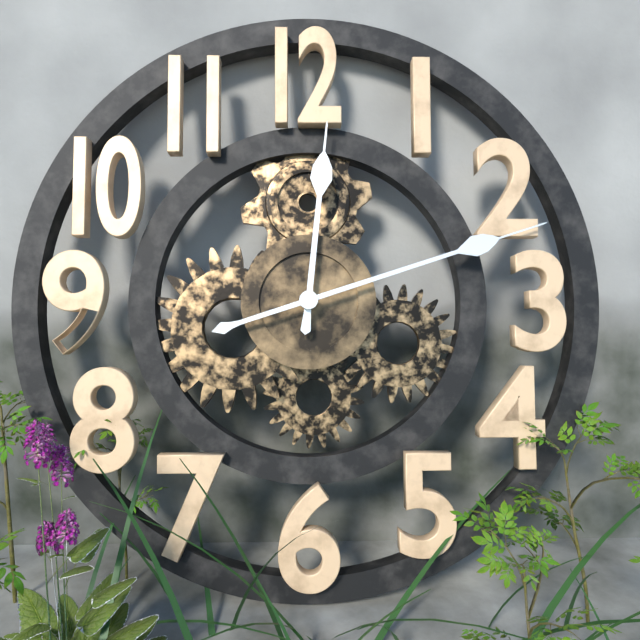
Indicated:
12:12
